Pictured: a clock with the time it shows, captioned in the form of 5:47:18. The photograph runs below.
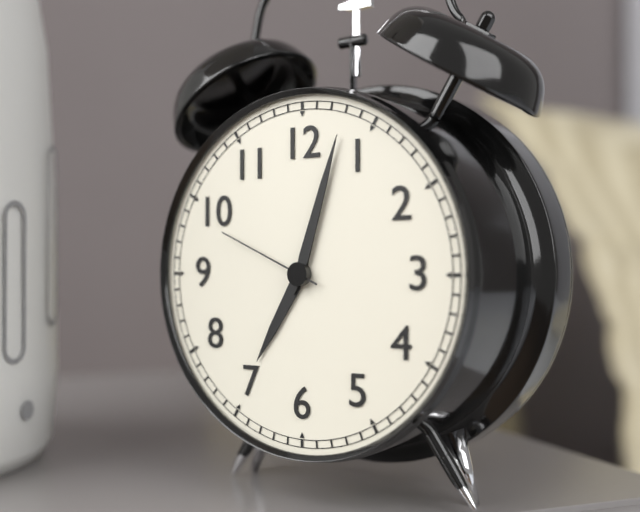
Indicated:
7:03:49
